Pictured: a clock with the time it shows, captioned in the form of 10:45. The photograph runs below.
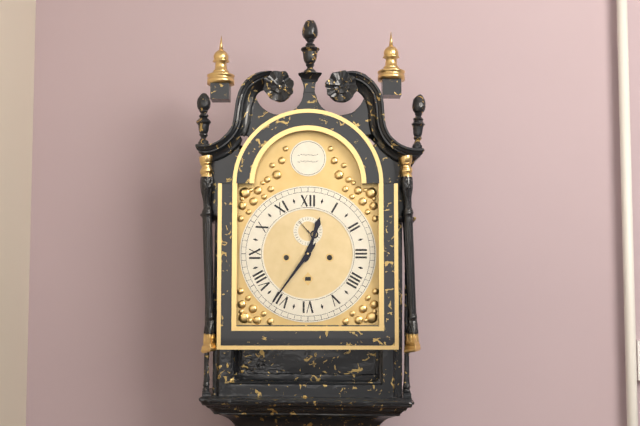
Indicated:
12:36
